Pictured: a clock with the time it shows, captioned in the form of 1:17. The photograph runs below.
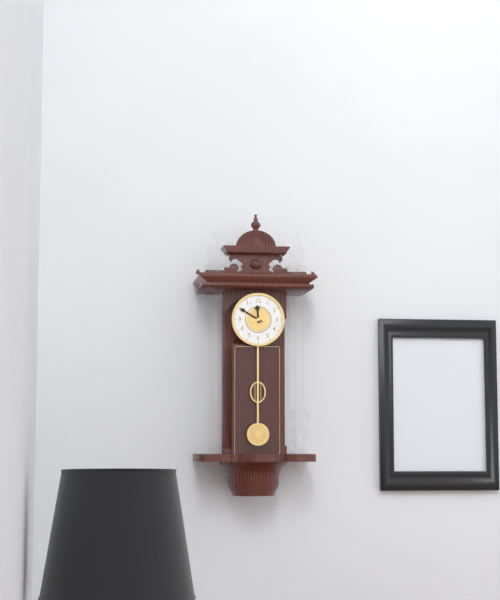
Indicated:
11:50
